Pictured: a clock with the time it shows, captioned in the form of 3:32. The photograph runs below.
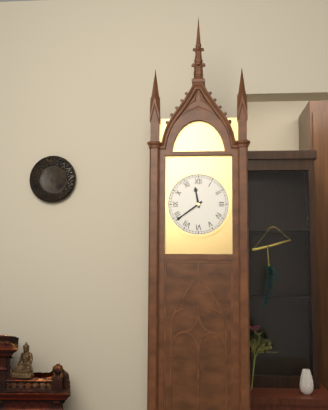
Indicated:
11:39
